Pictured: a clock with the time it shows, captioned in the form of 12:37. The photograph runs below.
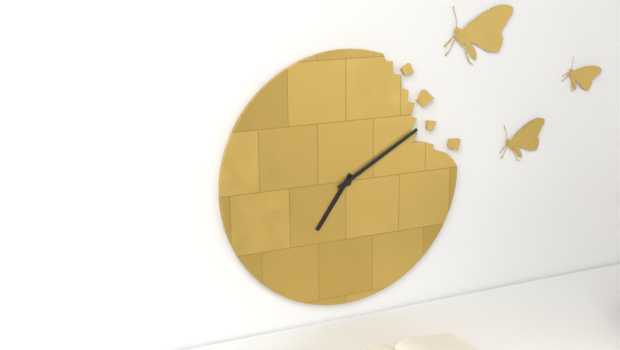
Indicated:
7:10
